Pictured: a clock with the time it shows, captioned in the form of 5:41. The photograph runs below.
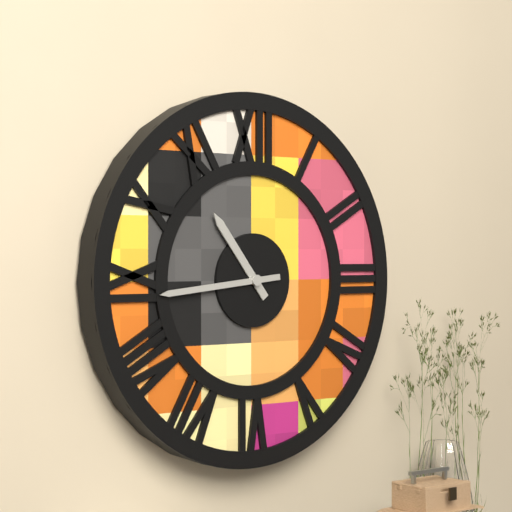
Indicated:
10:44
